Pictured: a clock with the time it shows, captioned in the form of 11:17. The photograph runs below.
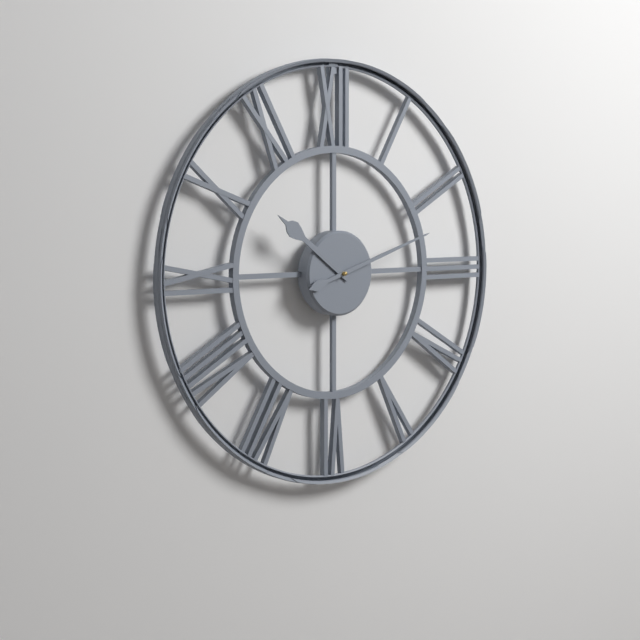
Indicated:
10:12
